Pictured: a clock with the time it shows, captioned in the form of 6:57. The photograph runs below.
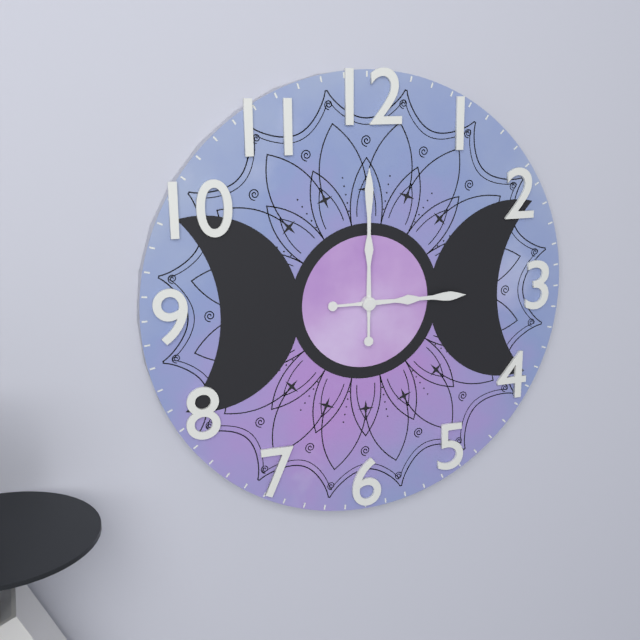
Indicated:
3:00
